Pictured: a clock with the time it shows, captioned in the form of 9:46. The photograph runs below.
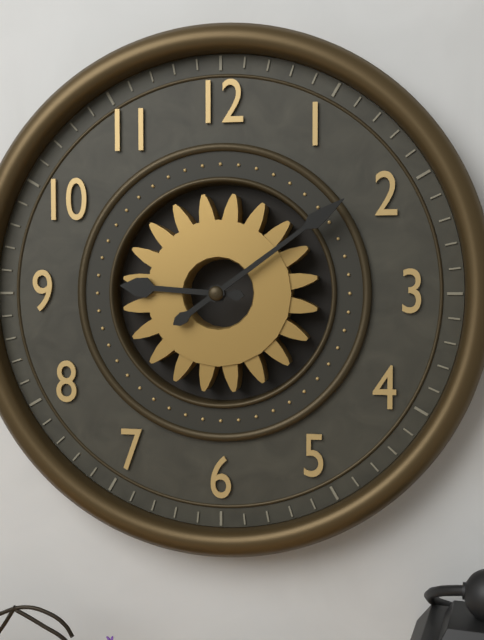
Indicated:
9:09
